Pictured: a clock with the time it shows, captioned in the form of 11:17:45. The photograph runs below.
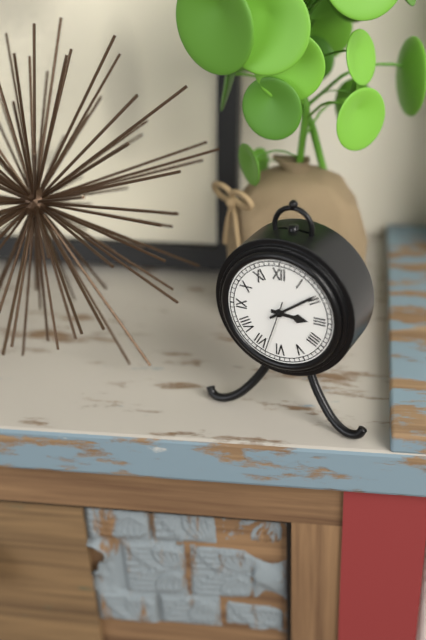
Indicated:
3:09:33
